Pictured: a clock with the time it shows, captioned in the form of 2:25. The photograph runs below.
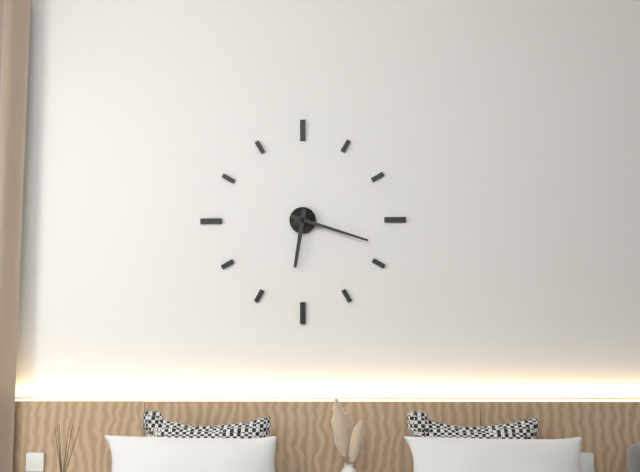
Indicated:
6:18
